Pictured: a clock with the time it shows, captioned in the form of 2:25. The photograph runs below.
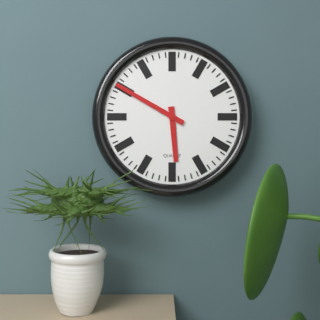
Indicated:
5:50
